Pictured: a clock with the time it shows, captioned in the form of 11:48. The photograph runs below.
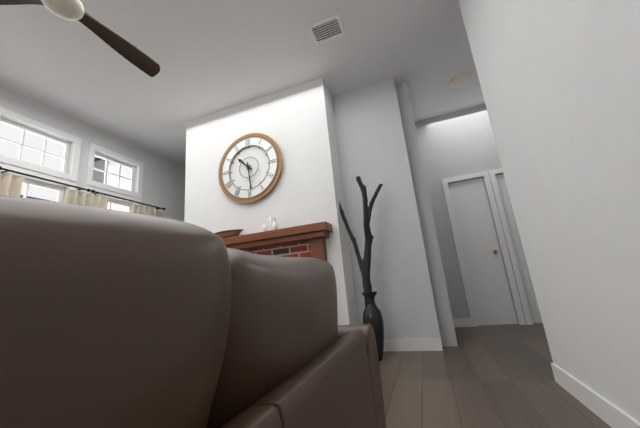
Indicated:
10:29
